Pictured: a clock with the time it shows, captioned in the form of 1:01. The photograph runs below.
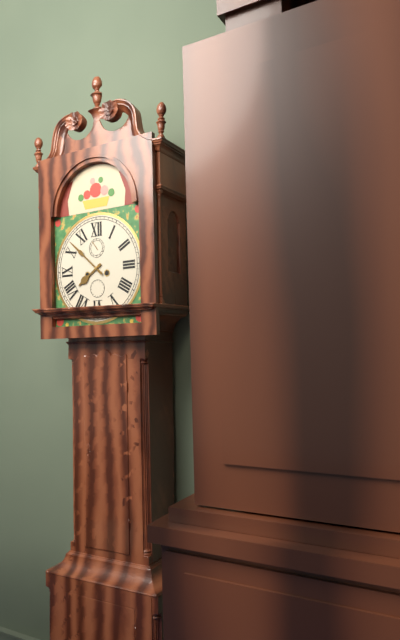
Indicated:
7:52
